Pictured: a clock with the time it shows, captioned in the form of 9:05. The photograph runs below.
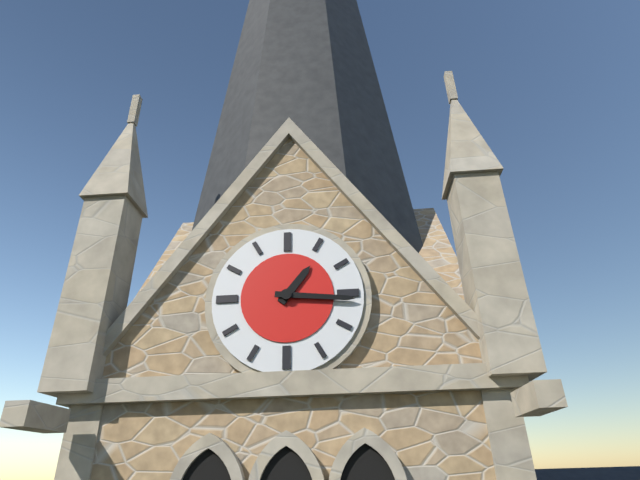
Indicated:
1:16
